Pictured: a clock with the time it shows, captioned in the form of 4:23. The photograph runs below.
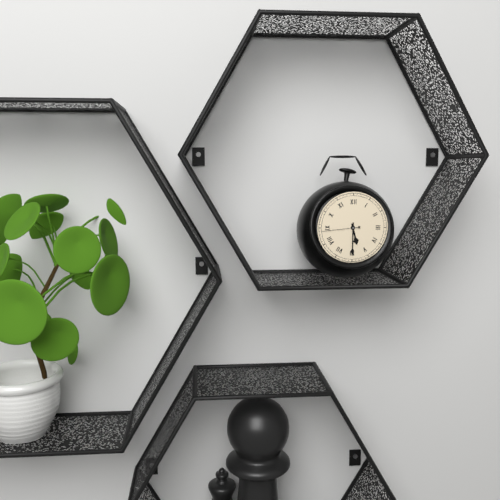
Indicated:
5:30
